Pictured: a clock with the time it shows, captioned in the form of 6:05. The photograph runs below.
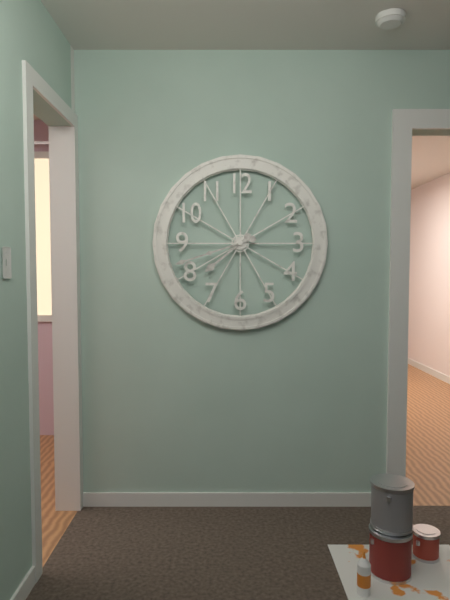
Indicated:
7:42
